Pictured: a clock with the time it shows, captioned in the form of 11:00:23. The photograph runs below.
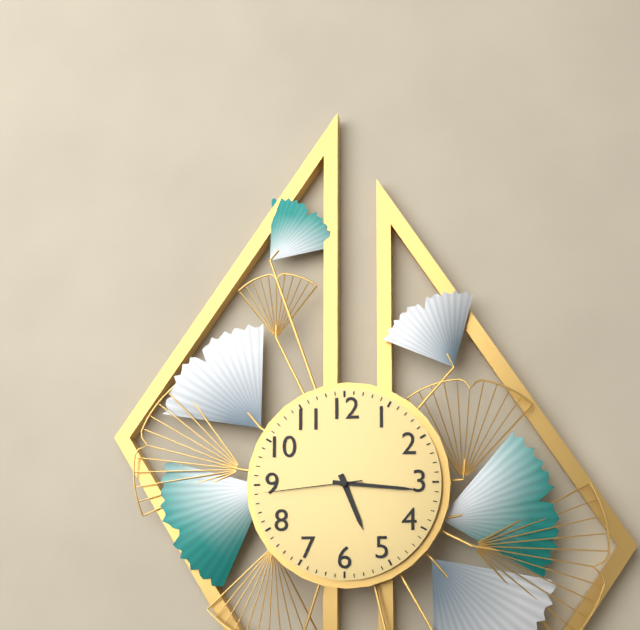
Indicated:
5:16:44
